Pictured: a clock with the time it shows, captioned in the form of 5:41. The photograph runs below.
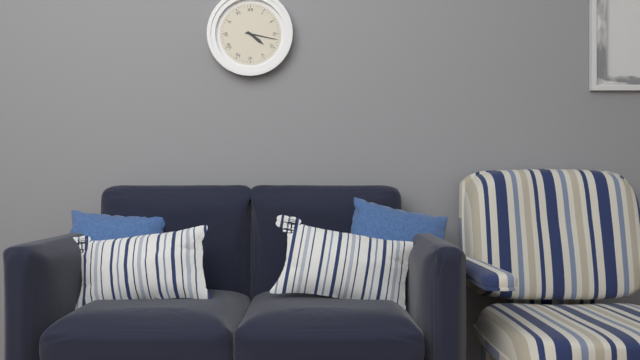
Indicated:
4:17
